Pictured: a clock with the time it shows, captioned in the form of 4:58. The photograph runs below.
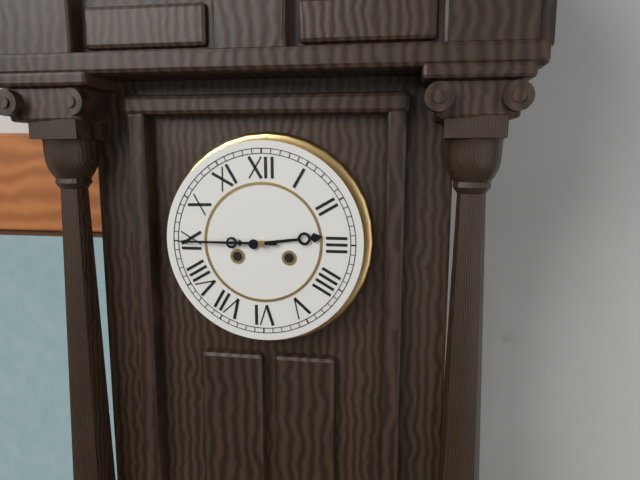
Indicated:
2:45
